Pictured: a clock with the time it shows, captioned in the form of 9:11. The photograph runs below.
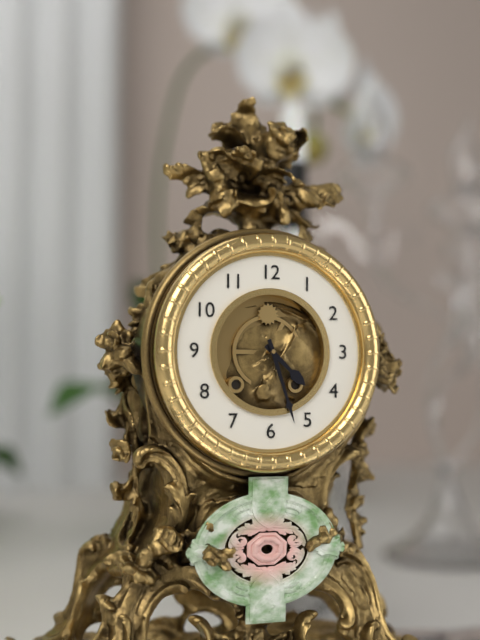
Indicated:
4:27
